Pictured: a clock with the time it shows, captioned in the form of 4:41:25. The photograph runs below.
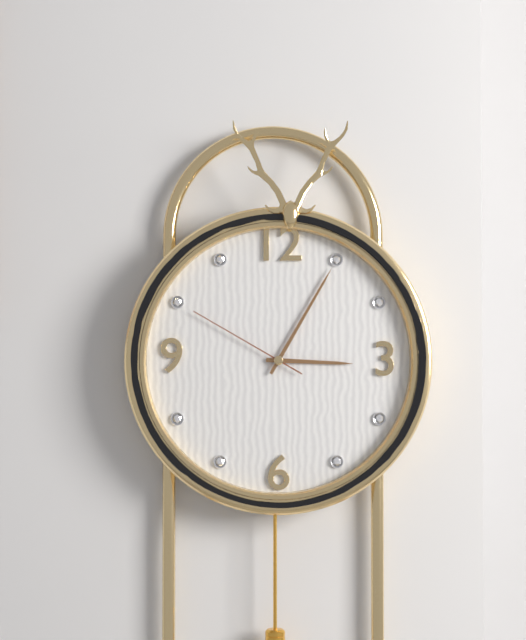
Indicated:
3:05:50
